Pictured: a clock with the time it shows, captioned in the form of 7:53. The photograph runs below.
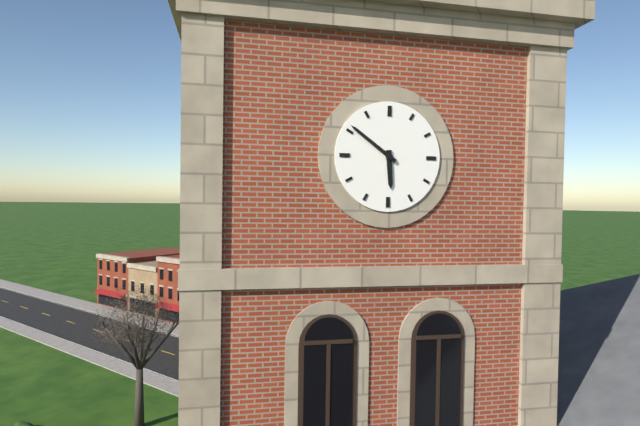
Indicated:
5:51
